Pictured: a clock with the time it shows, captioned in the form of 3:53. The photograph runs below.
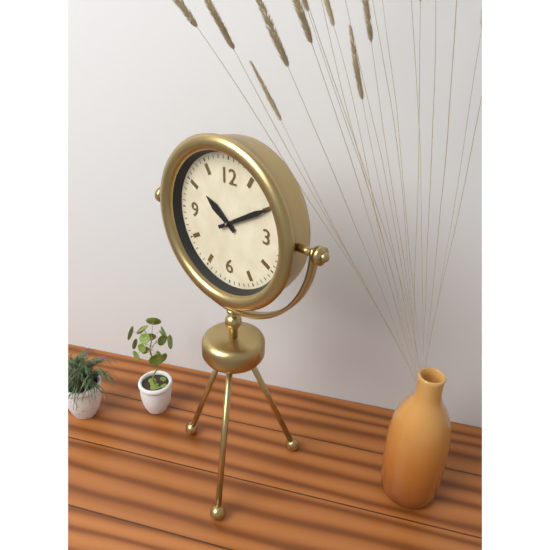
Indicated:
10:10
